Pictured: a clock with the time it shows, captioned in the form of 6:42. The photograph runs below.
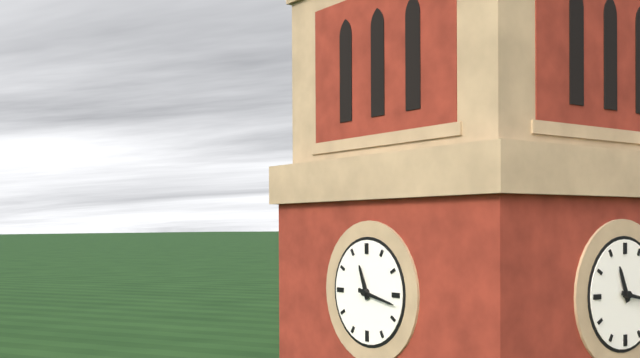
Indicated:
11:17
